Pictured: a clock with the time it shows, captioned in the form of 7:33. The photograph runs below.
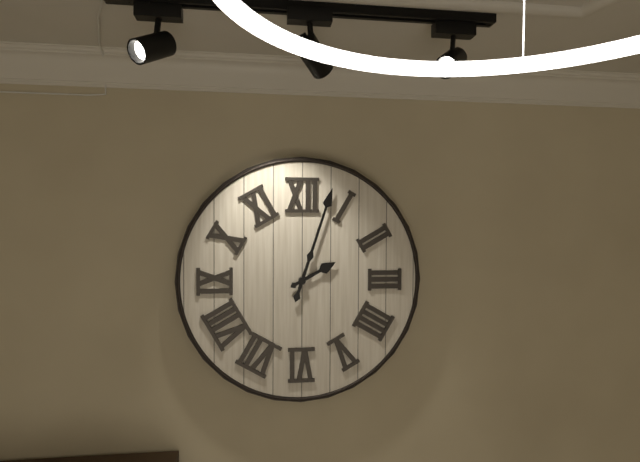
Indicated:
2:03
